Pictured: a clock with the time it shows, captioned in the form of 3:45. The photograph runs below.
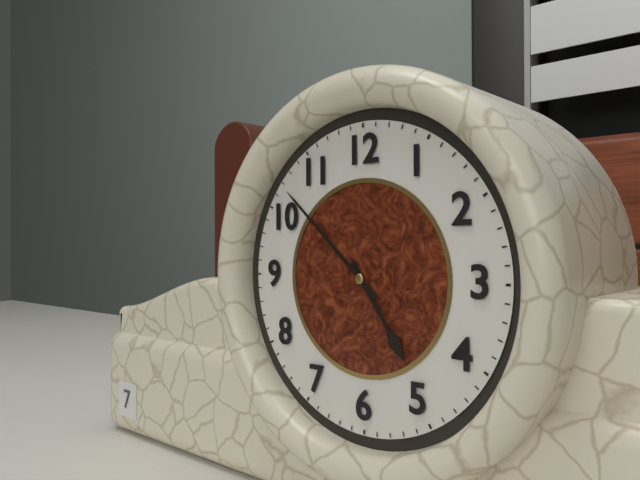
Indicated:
4:52
